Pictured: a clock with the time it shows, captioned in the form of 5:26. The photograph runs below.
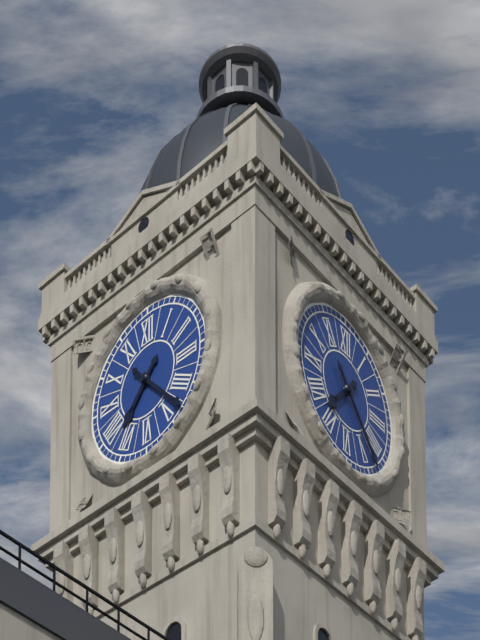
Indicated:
7:23
